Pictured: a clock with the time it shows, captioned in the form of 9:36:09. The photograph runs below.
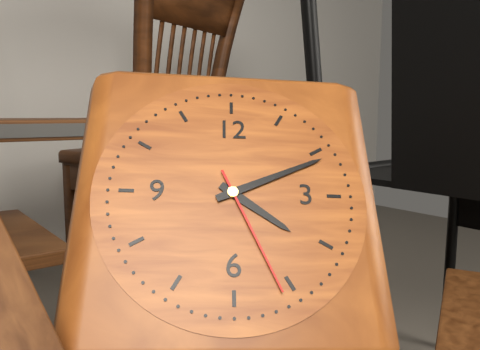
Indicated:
4:11:26
